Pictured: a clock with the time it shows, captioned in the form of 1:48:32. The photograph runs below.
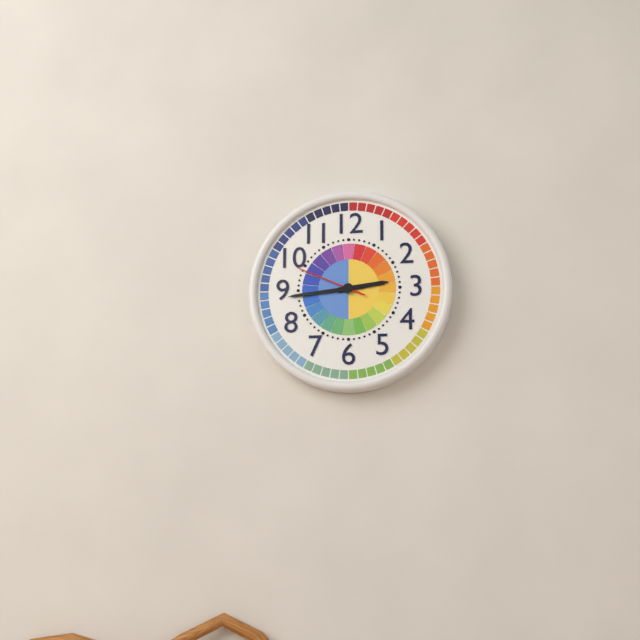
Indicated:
2:44:49
